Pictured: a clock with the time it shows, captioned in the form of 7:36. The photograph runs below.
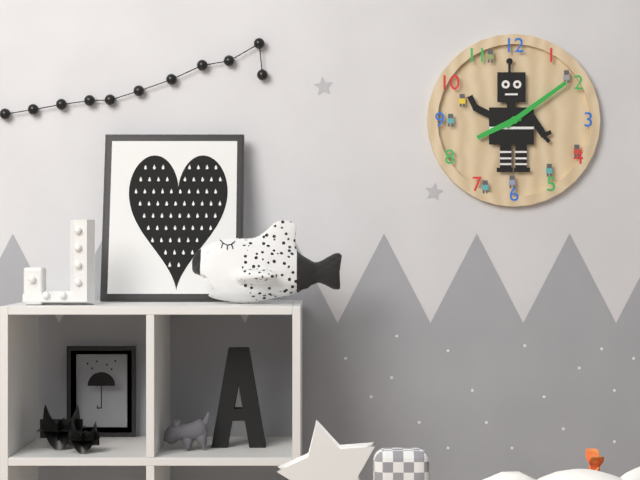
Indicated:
8:09
